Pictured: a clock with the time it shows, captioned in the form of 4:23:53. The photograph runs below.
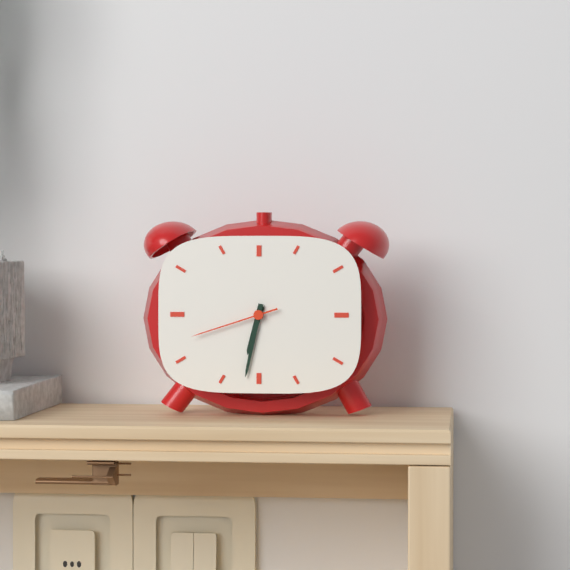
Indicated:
6:32:42
